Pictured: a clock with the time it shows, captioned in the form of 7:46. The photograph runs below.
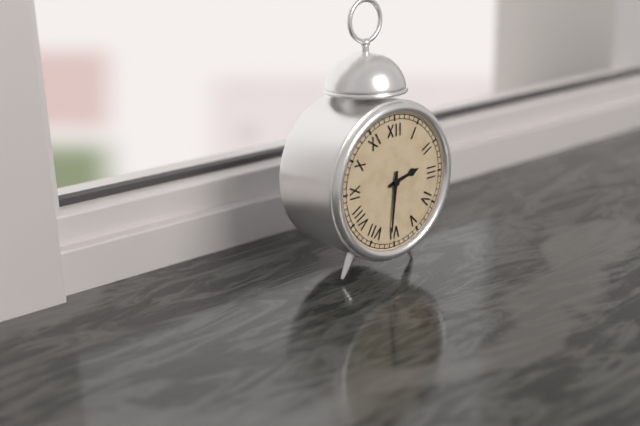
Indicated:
2:31
